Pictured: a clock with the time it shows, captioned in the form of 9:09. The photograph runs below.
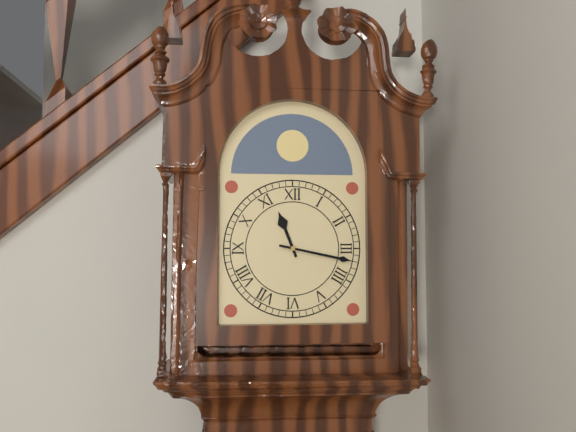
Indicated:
11:17
